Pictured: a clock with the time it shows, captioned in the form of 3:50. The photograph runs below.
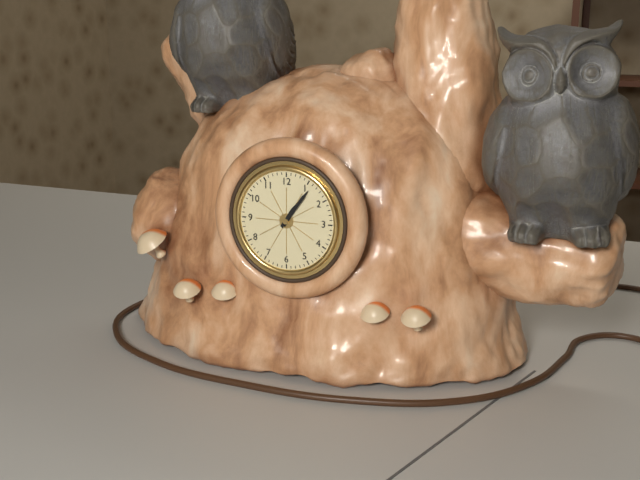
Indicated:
1:06
